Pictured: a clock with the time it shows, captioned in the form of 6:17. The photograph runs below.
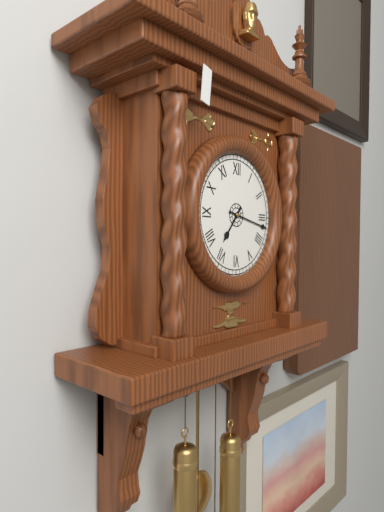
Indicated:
7:17
